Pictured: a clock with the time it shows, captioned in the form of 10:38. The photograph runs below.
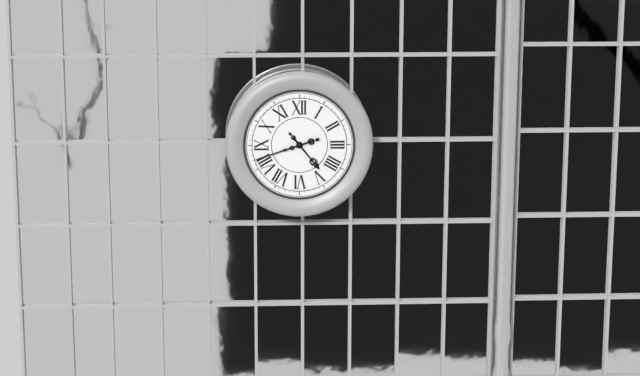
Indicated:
4:42
